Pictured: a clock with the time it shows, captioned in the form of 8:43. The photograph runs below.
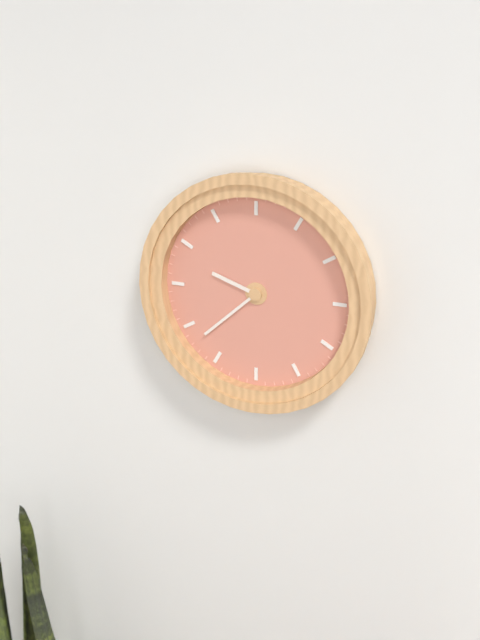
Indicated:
9:38
